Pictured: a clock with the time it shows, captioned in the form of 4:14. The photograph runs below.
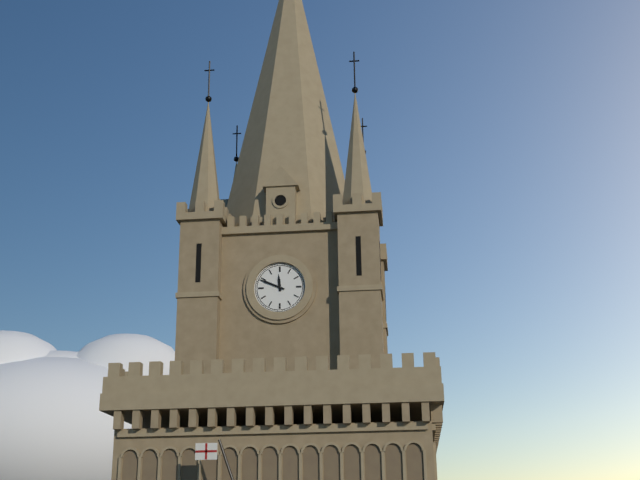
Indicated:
11:49
